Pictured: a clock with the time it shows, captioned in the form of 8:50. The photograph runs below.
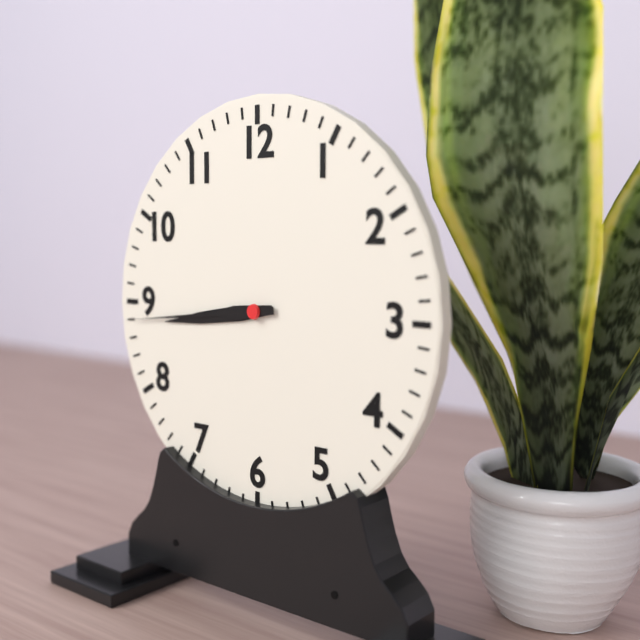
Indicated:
8:44
